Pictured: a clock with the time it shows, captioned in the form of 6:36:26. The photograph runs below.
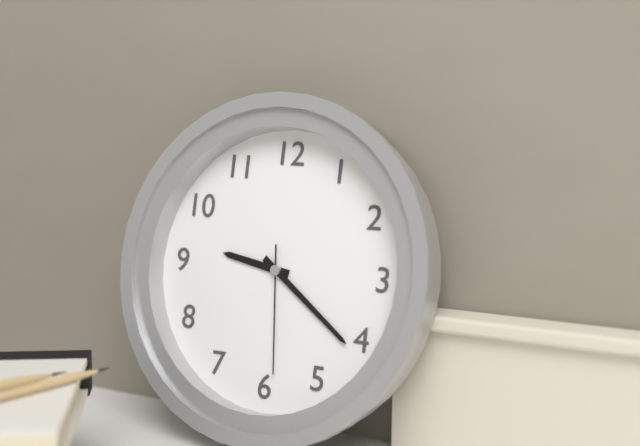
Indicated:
9:21:29
